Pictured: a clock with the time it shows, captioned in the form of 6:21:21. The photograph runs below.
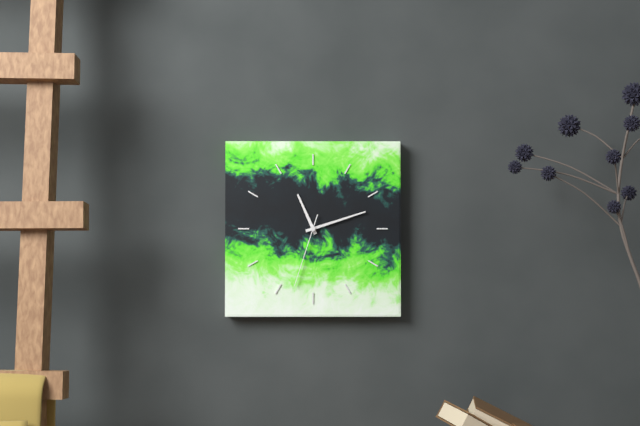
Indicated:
11:12:33
